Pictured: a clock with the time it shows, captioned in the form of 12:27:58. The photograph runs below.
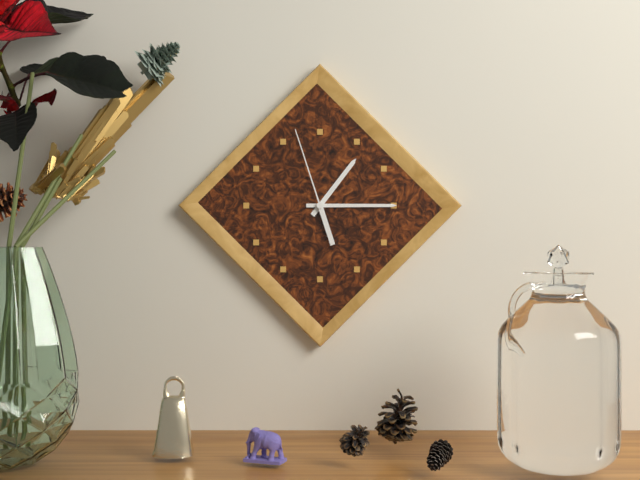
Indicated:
1:15:57
